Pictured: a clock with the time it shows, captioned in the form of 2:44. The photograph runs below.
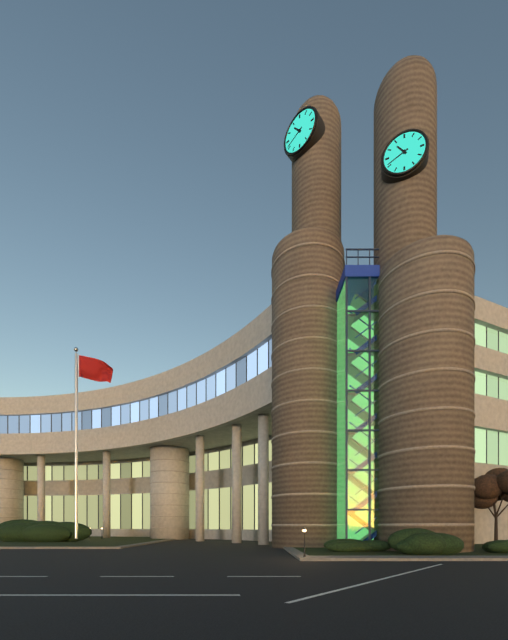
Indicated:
10:41
